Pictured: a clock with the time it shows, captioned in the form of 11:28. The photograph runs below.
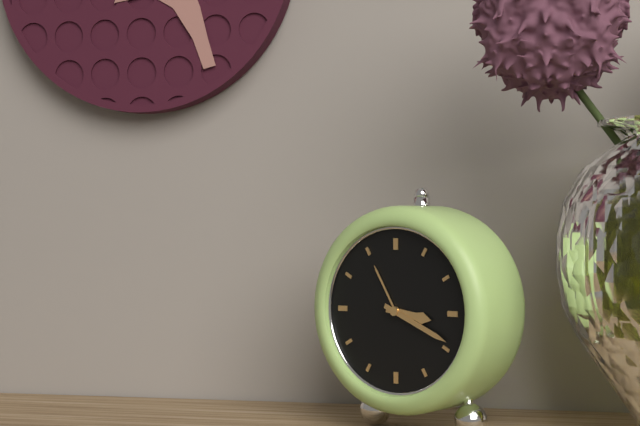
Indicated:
3:19
